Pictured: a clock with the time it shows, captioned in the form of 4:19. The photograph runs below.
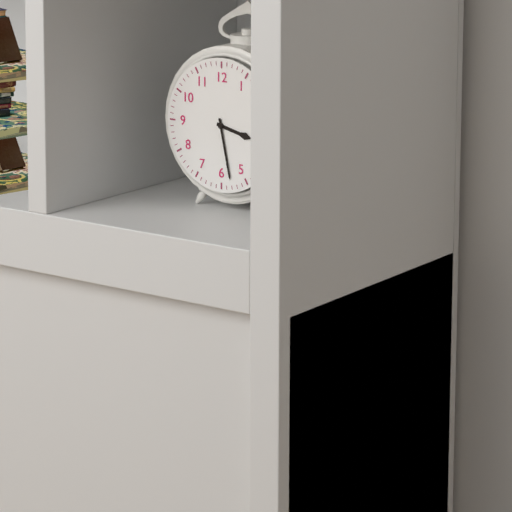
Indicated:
3:28
